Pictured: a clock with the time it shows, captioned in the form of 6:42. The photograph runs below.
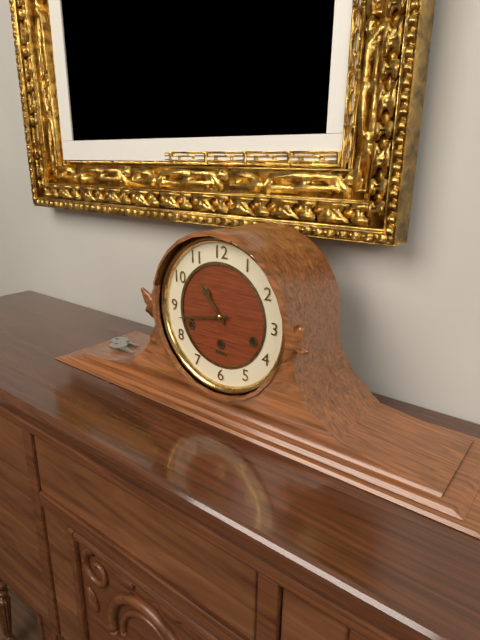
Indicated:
10:43
